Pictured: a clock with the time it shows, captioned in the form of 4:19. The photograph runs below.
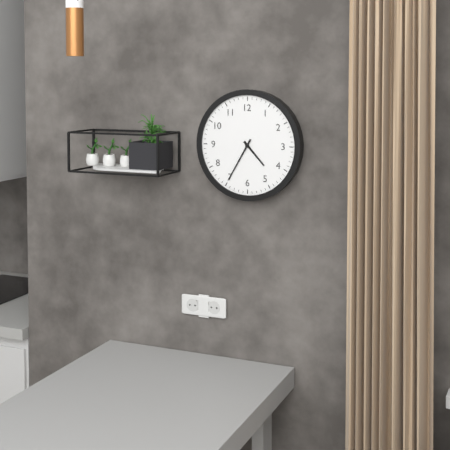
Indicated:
4:35
